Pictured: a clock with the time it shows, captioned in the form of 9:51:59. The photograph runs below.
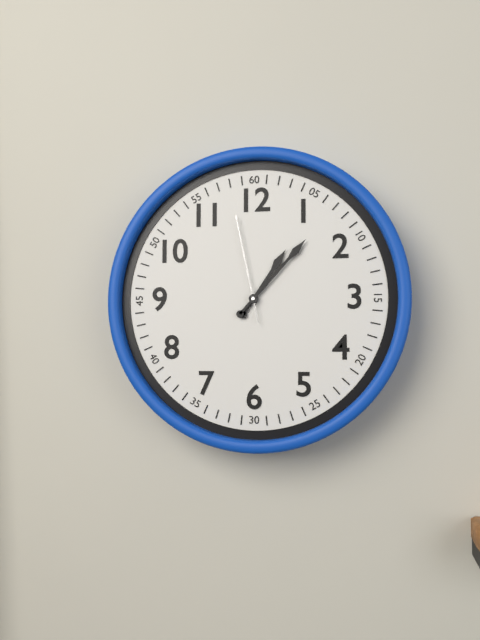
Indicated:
1:07:58
